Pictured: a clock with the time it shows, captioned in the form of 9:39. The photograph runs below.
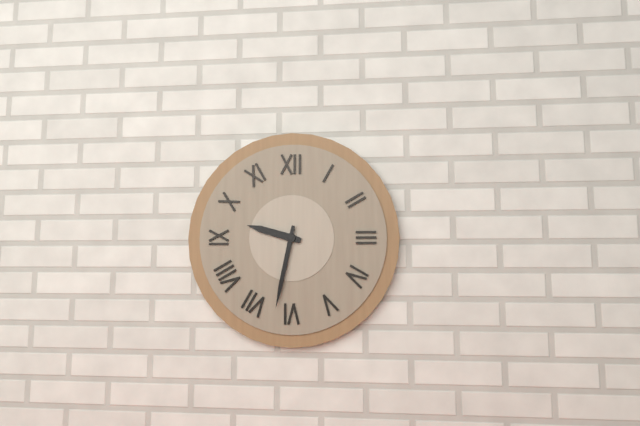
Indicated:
9:32
